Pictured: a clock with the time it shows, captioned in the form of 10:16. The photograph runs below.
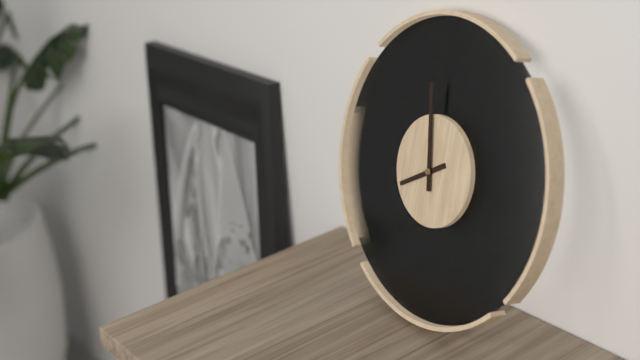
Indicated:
7:58
